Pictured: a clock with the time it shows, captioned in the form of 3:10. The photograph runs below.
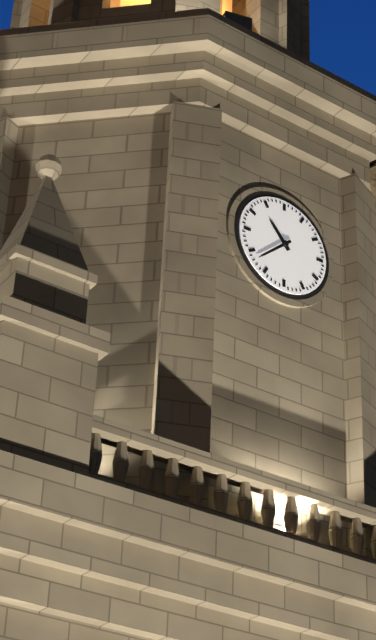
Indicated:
10:38
